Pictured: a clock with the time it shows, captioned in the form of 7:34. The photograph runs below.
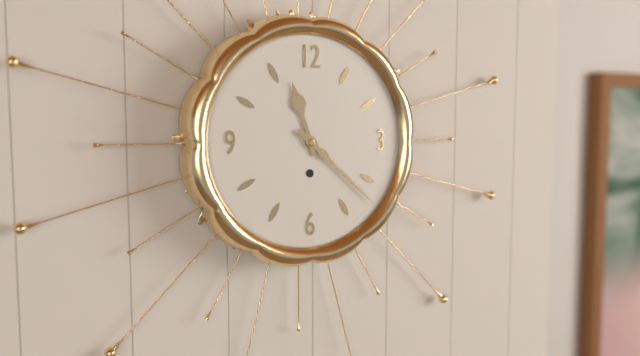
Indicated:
11:22
